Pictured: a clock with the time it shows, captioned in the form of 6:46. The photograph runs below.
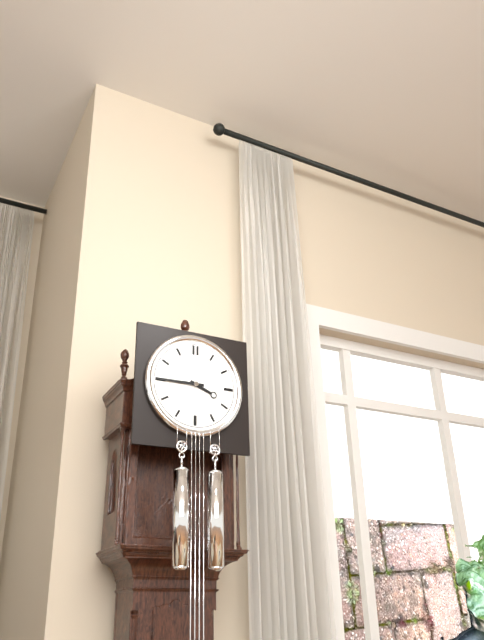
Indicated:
3:45
